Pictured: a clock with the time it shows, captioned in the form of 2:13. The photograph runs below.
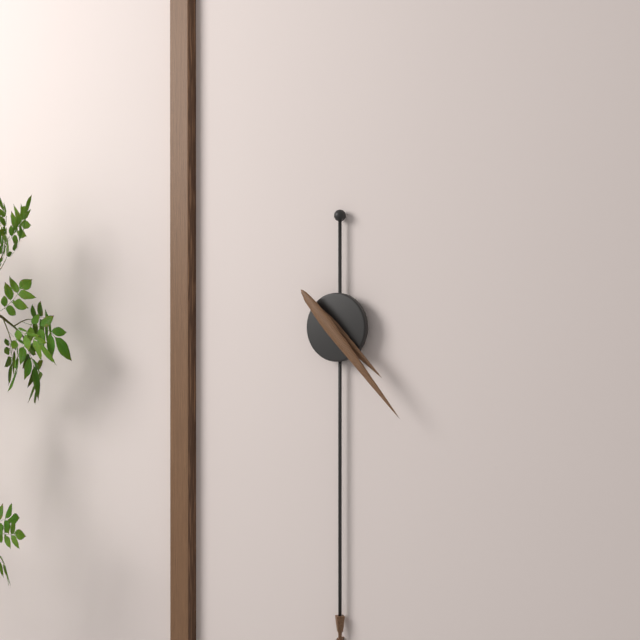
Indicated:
4:23
